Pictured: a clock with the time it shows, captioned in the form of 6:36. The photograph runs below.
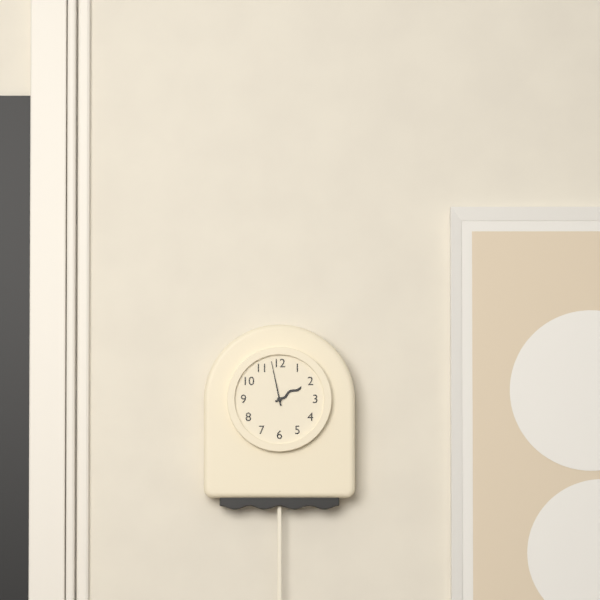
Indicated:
1:58
